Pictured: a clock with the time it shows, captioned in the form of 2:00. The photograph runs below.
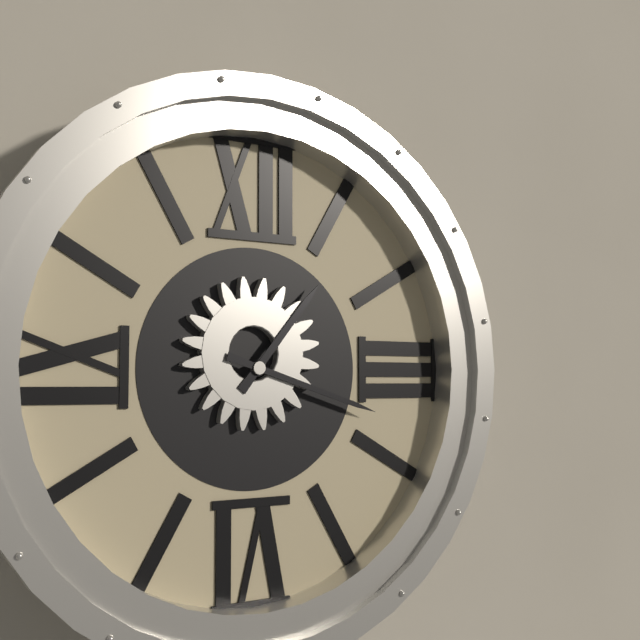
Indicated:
1:18
